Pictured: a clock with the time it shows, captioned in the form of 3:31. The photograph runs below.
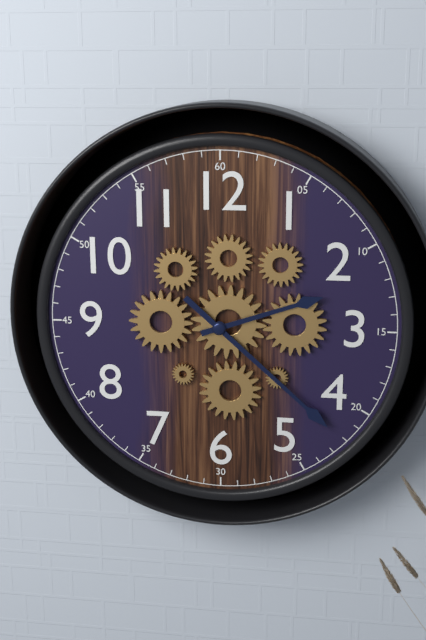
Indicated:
2:22
